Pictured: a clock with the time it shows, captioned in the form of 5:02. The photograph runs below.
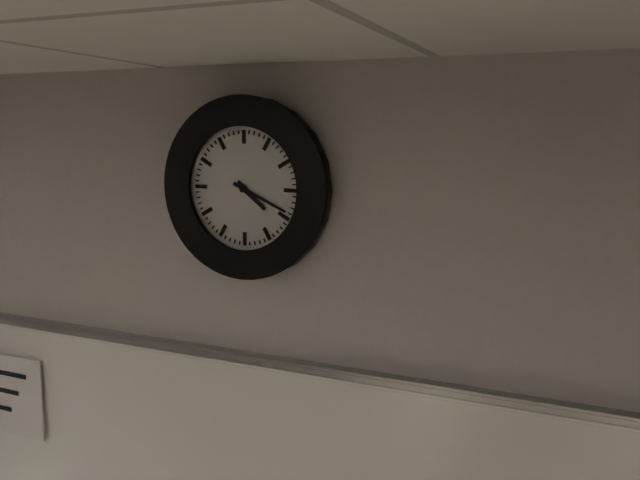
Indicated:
4:19
